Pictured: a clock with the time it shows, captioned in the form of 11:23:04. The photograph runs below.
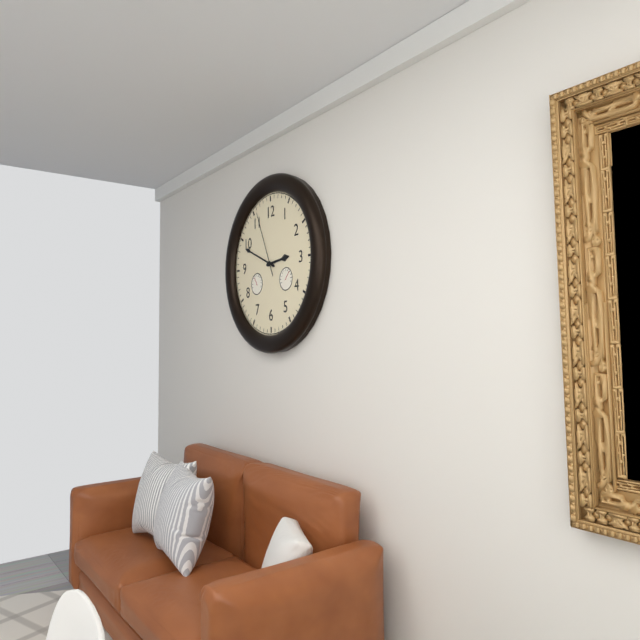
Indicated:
2:49:56
